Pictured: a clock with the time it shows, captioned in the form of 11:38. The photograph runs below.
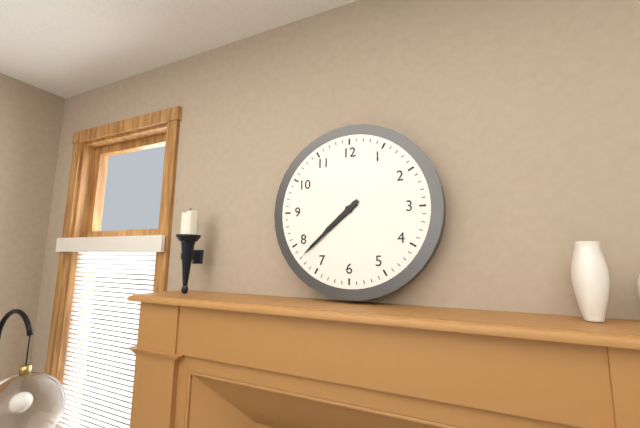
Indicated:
7:38
